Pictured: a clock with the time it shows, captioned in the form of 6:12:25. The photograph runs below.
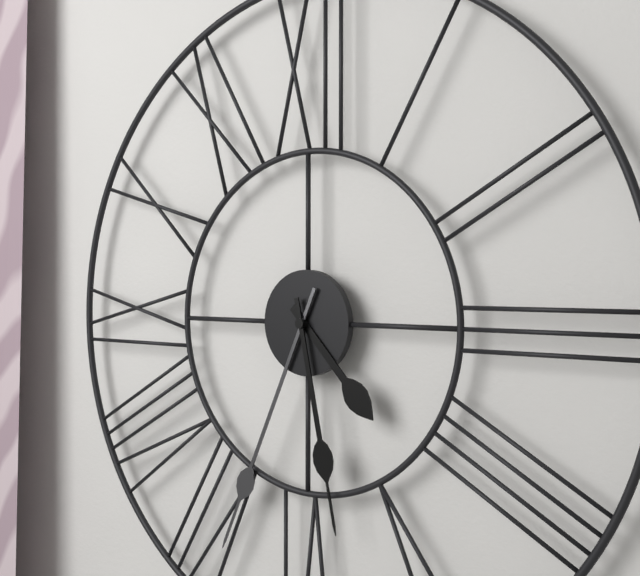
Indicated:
4:34:28
